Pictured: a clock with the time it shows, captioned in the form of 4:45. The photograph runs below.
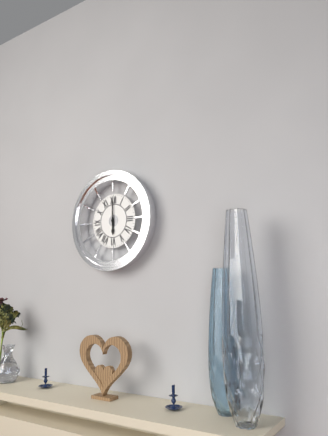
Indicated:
6:00
